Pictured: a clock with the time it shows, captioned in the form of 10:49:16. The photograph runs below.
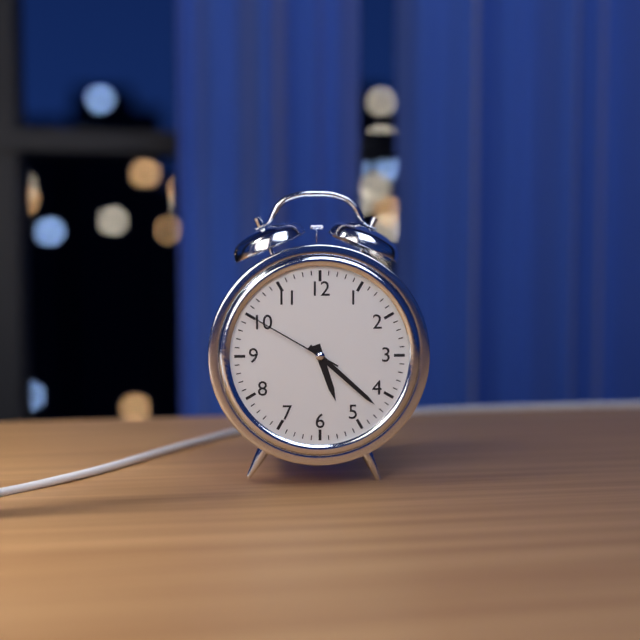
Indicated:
5:22:50
